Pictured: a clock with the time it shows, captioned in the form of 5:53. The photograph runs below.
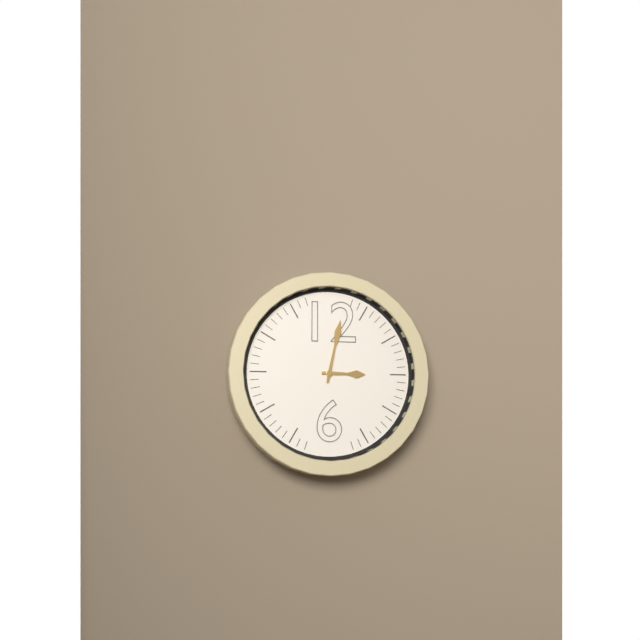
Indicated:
3:02
